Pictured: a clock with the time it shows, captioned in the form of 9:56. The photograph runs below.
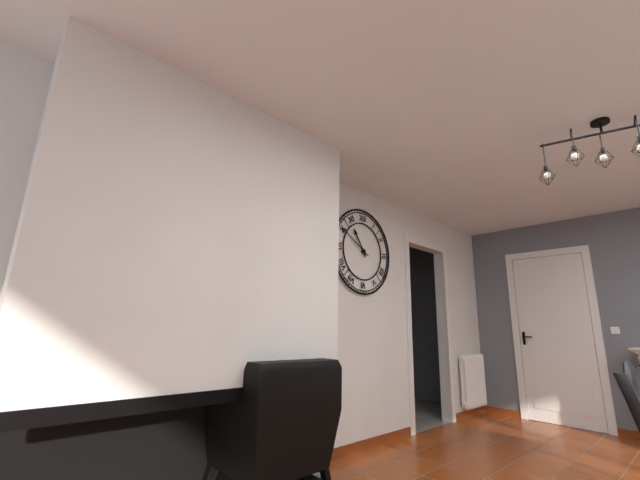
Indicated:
10:50
